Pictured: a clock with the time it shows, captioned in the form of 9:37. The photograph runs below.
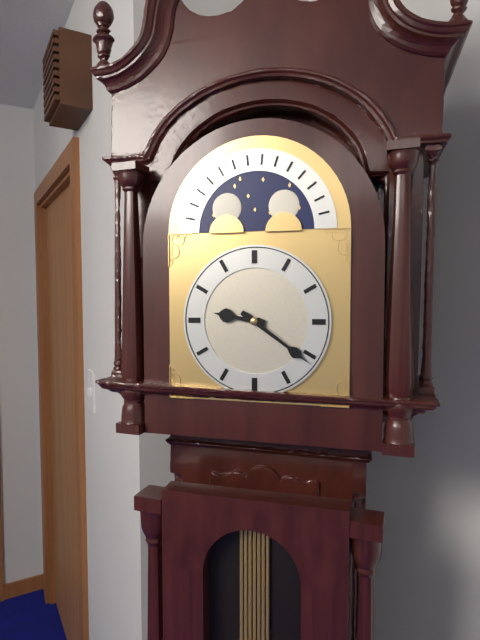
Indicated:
9:21
